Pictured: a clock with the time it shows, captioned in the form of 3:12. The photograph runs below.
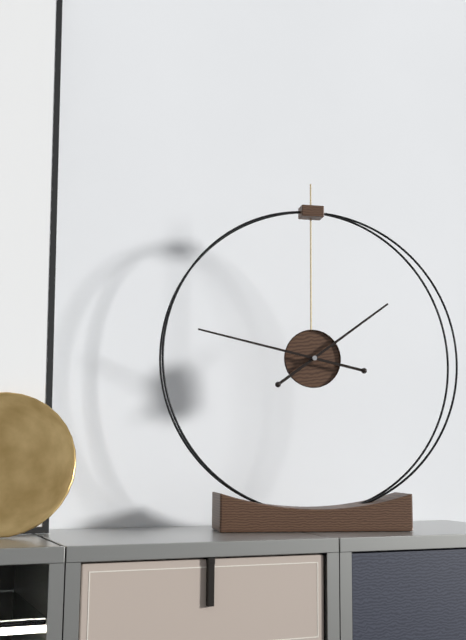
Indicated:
1:47
